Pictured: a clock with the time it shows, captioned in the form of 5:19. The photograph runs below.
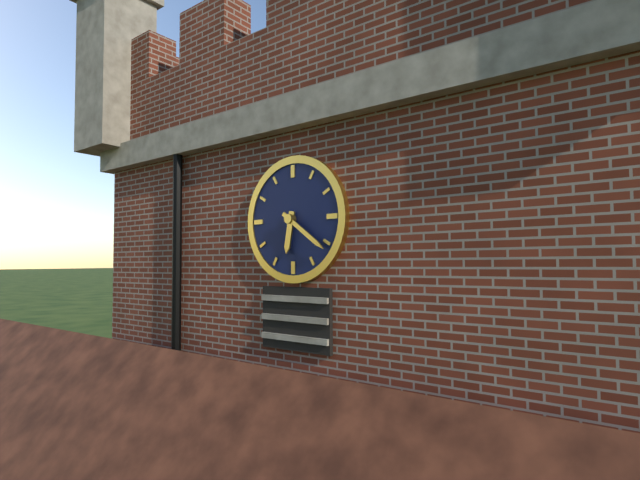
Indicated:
6:21
